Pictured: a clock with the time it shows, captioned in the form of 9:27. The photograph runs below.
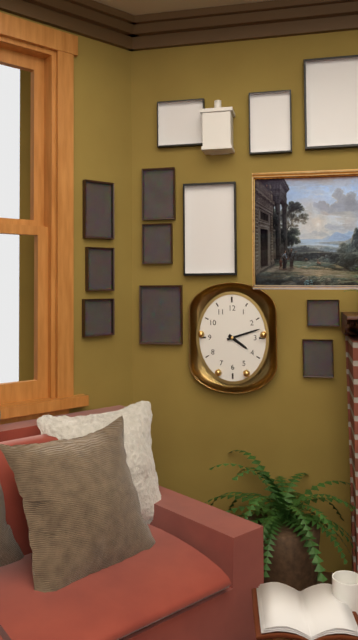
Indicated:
4:12
